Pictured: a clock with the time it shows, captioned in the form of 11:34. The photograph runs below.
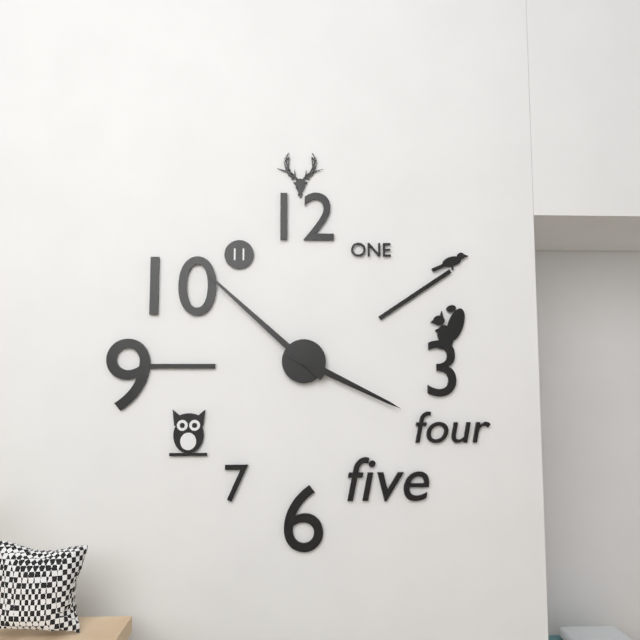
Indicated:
3:52
